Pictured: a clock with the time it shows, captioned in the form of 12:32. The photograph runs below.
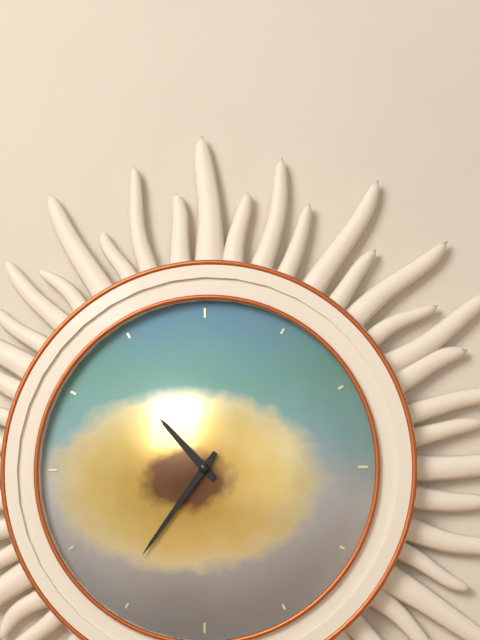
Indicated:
10:36
